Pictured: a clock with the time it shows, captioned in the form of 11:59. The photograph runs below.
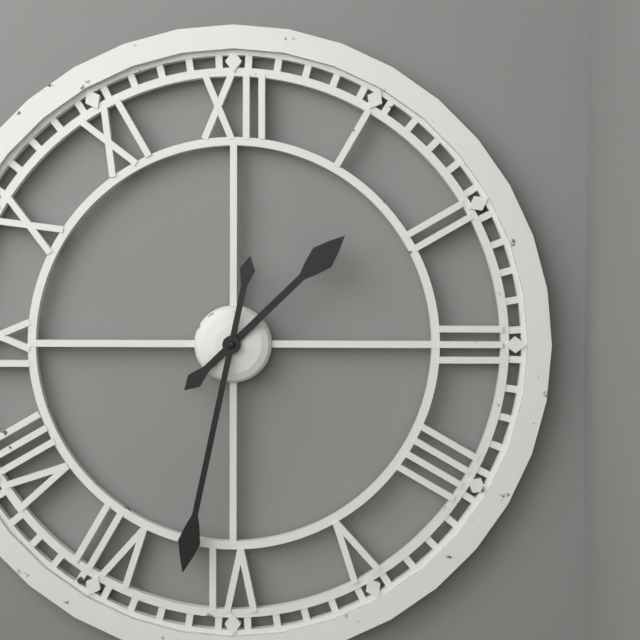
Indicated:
1:32
